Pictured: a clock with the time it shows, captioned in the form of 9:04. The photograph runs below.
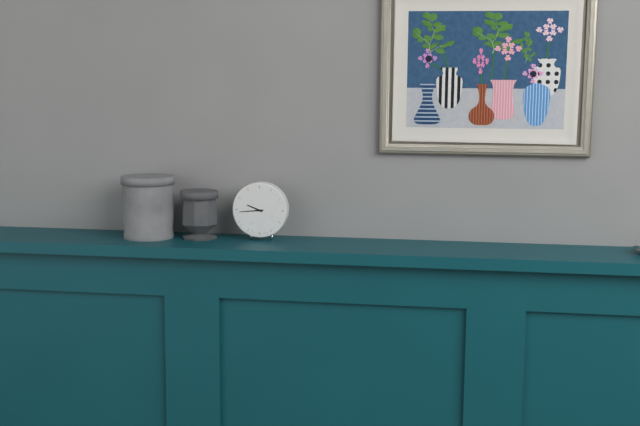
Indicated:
9:44
